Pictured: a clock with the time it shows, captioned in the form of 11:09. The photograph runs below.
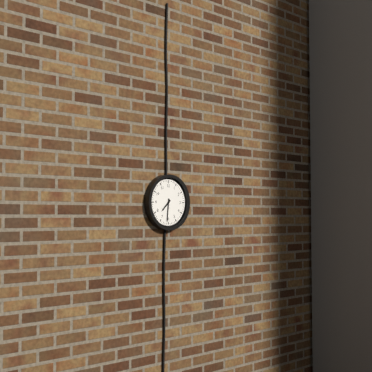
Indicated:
7:31
